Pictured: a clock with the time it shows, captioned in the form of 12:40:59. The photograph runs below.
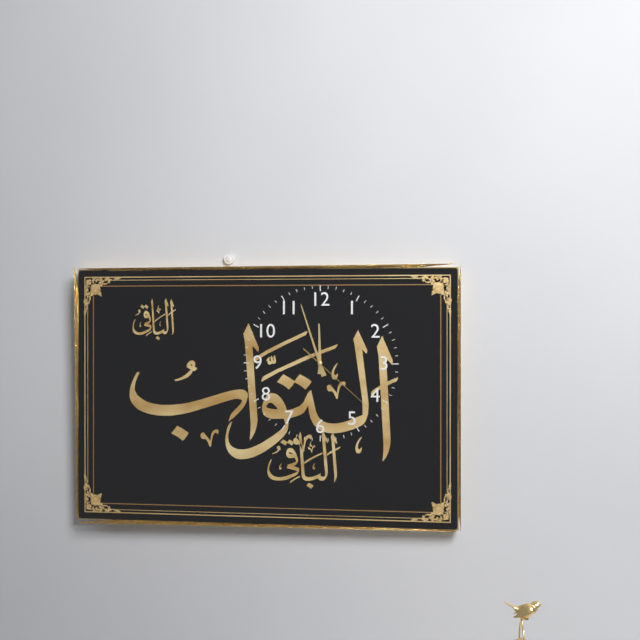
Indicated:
11:57:22
